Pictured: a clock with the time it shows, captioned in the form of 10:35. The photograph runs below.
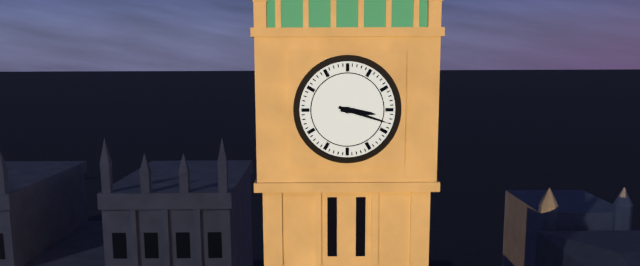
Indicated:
3:18
